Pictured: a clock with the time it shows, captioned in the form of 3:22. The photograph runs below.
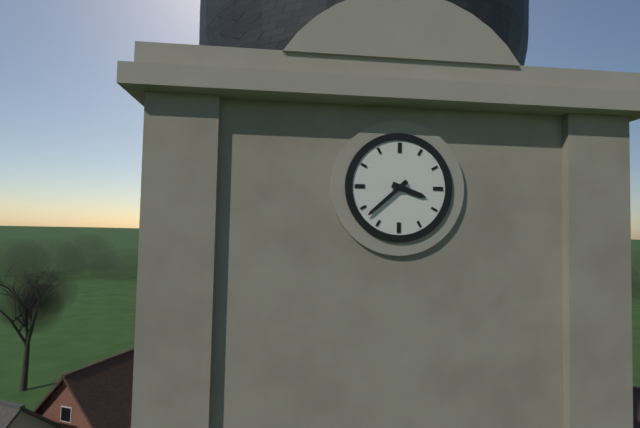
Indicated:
3:38
